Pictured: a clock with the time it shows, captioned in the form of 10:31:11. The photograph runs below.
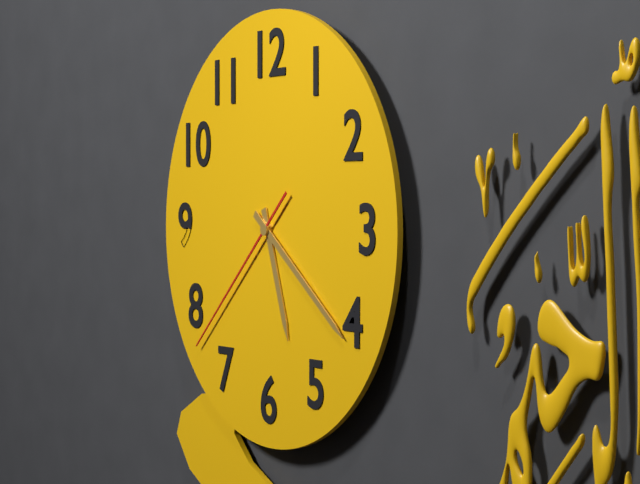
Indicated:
5:21:38
